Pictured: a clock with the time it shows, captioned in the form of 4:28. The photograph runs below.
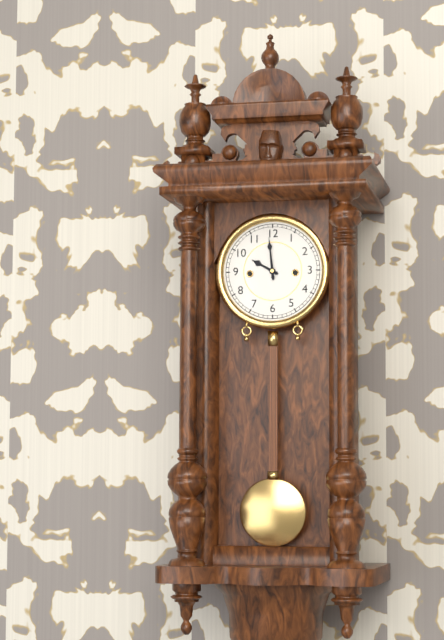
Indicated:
9:59
